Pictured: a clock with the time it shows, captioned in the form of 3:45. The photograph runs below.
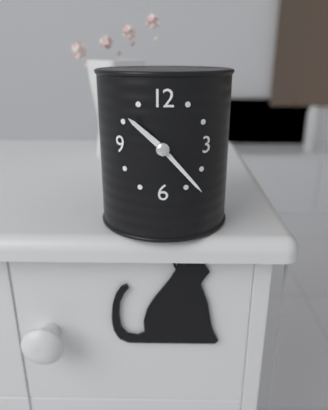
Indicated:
10:23
